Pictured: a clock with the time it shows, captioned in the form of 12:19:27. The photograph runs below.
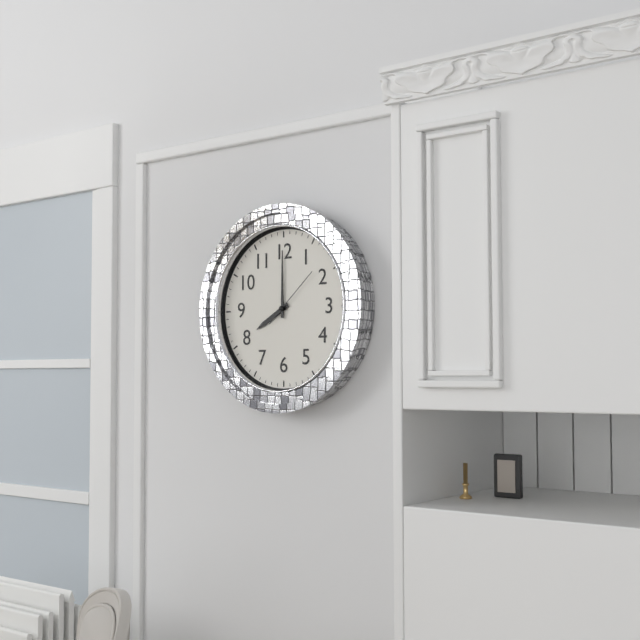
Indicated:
8:00:08
